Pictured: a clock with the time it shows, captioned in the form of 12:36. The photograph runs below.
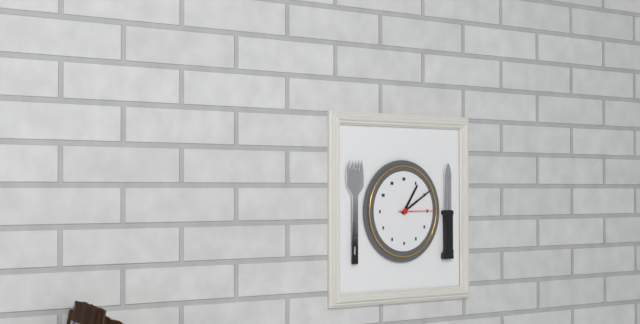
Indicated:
1:10
